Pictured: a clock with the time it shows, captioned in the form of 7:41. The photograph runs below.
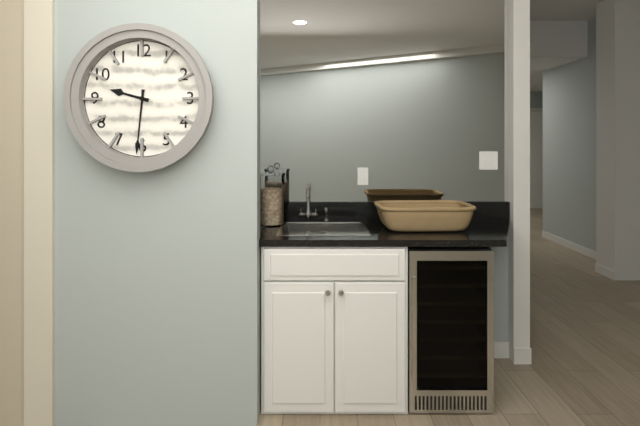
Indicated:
9:31
